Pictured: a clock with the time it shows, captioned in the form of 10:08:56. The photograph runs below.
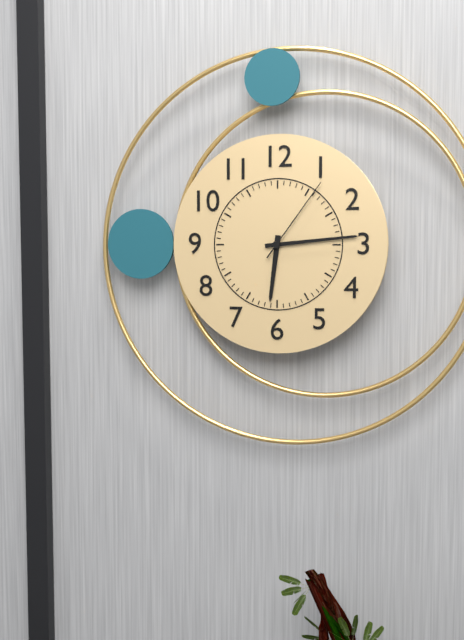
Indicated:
6:14:06
